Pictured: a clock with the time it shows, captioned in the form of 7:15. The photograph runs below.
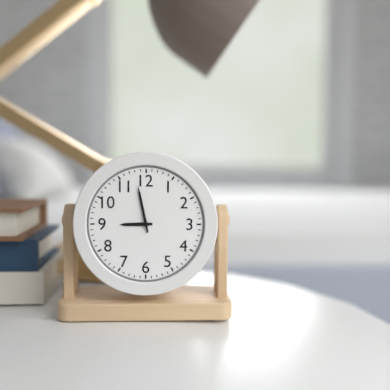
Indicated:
8:58
